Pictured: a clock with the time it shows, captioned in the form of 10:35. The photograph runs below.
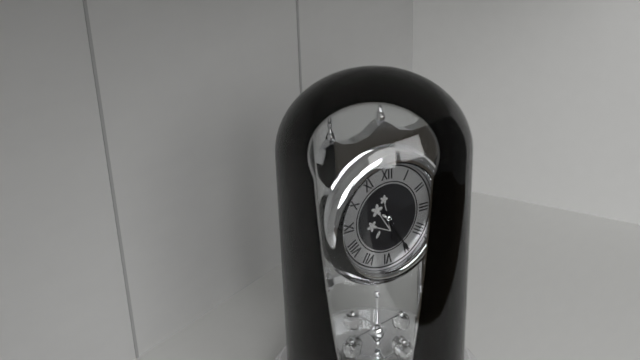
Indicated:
5:25
